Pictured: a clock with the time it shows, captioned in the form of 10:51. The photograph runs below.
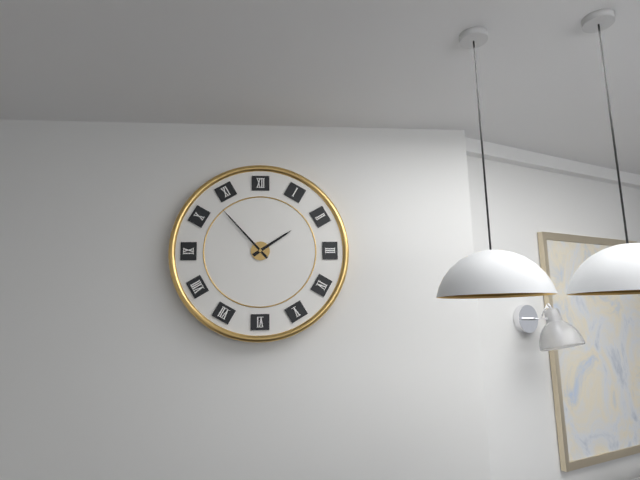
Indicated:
1:53
